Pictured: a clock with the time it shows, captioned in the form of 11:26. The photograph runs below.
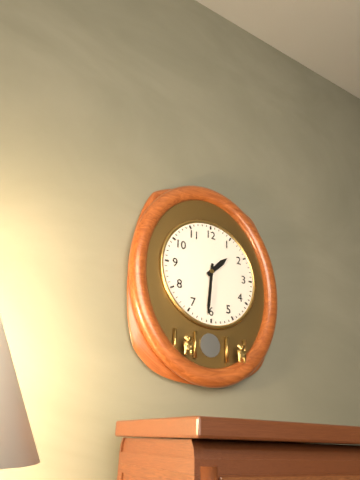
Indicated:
1:31
